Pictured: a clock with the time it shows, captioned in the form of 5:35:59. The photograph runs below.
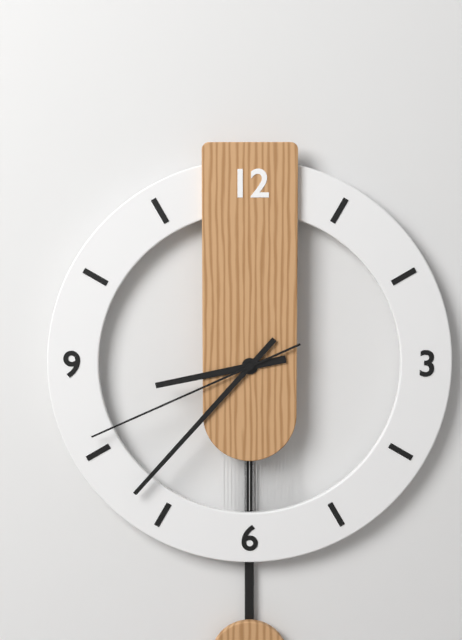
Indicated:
8:37:41
